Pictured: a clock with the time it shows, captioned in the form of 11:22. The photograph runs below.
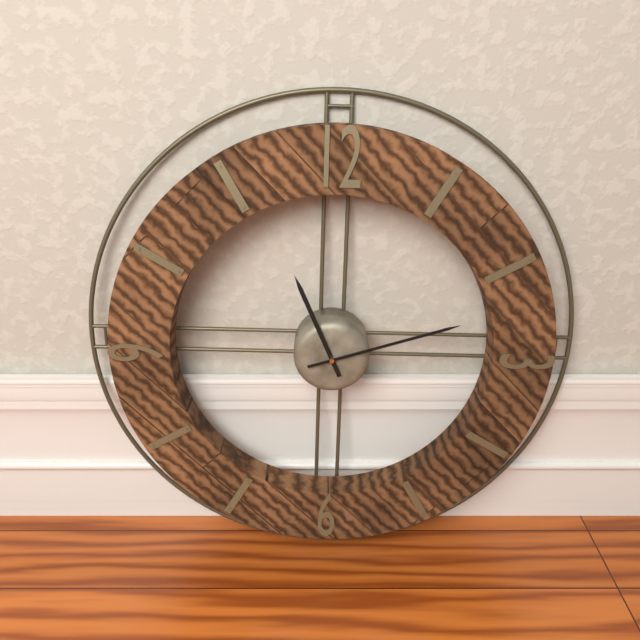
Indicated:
11:12
